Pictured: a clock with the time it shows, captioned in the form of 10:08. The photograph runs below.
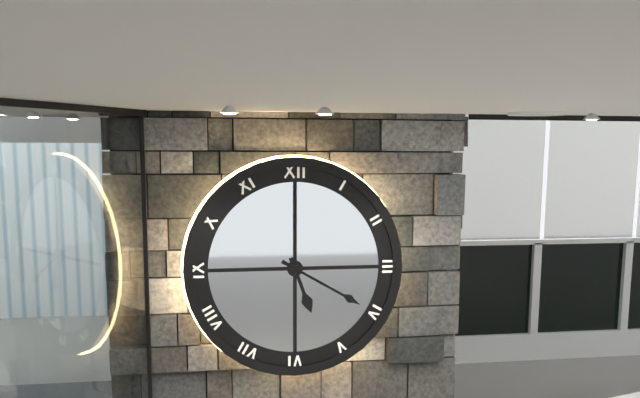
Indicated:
5:20
